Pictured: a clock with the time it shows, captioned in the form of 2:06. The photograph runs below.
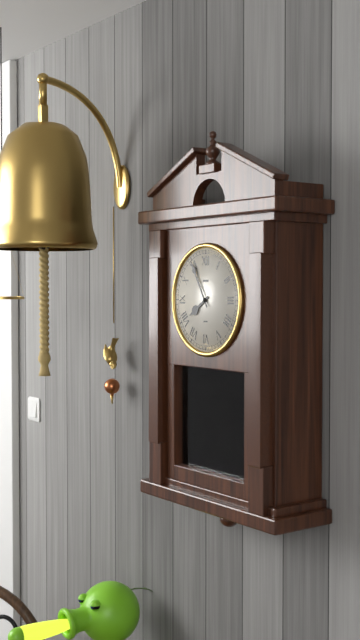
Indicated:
7:55
